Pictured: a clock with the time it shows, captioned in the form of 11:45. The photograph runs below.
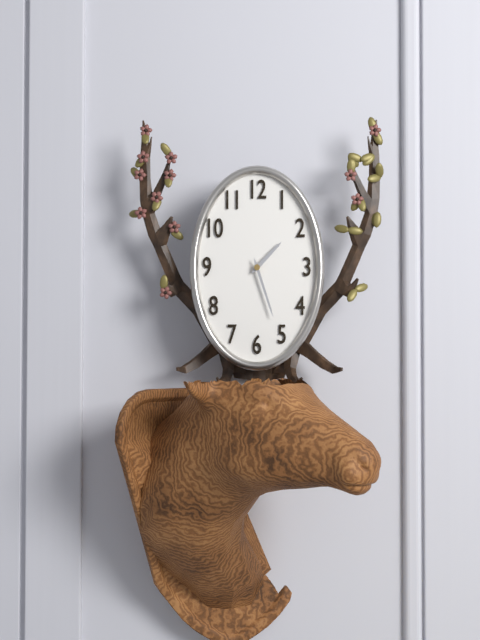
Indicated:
1:27
